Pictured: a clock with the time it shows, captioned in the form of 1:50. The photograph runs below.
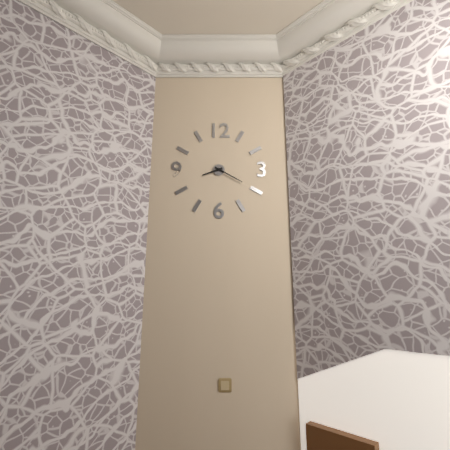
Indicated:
8:20
